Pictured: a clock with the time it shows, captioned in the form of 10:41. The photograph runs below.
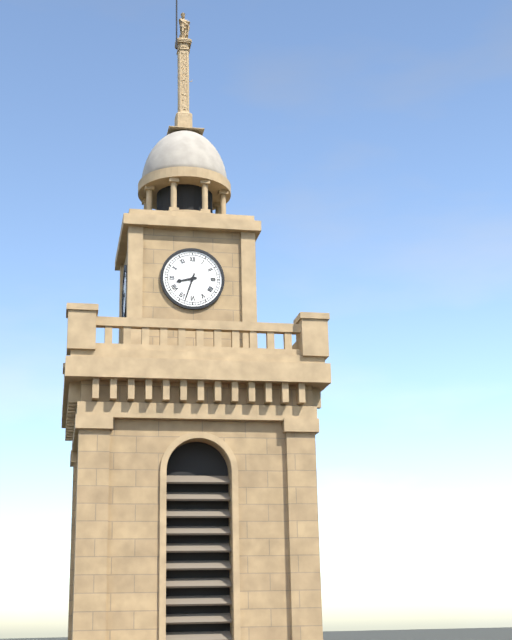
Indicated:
8:33
